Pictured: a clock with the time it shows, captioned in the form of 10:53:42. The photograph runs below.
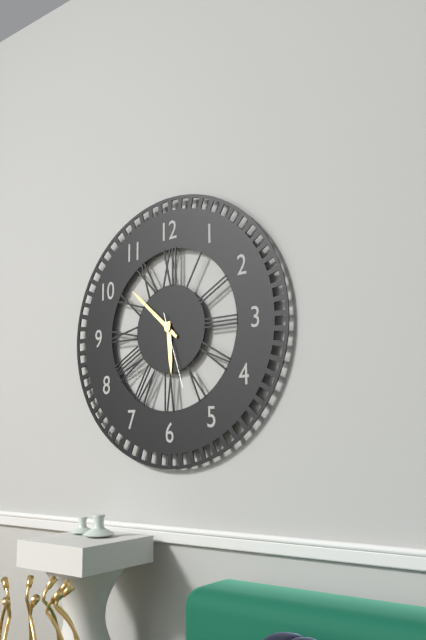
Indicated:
5:52:27
